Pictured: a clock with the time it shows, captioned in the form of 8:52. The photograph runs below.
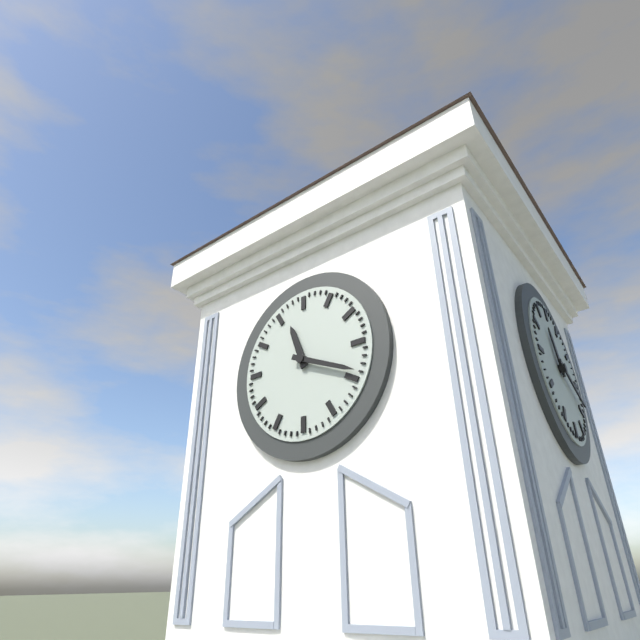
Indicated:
11:19
